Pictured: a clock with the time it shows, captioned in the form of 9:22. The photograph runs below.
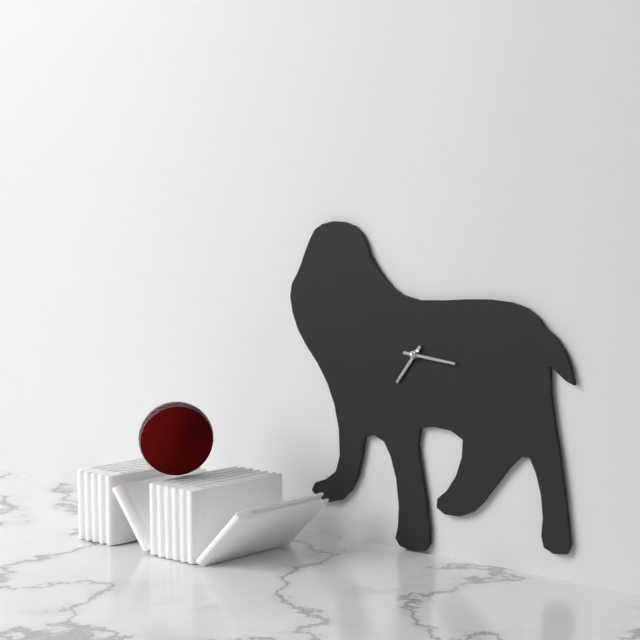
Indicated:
7:16
